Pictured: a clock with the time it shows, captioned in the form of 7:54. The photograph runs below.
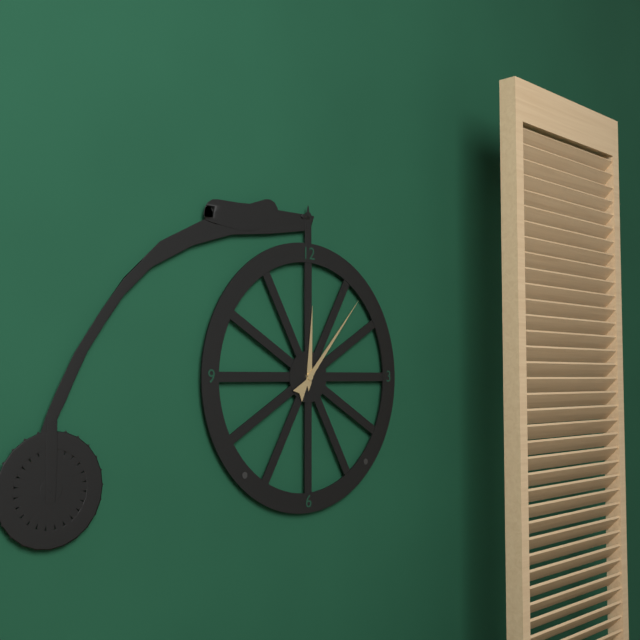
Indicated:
12:07
